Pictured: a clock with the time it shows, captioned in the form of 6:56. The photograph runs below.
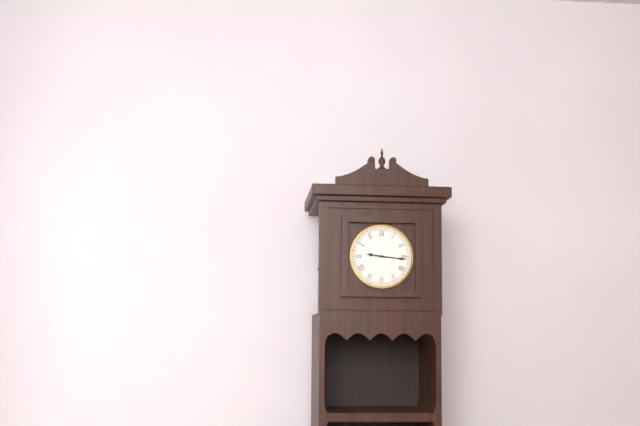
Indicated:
9:16
